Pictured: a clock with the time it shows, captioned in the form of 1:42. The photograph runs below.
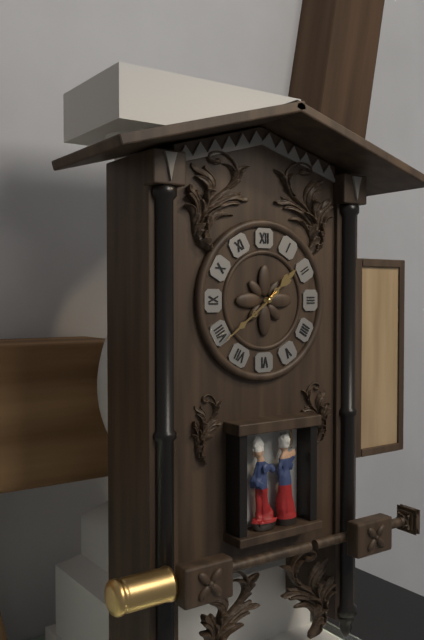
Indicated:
1:39
